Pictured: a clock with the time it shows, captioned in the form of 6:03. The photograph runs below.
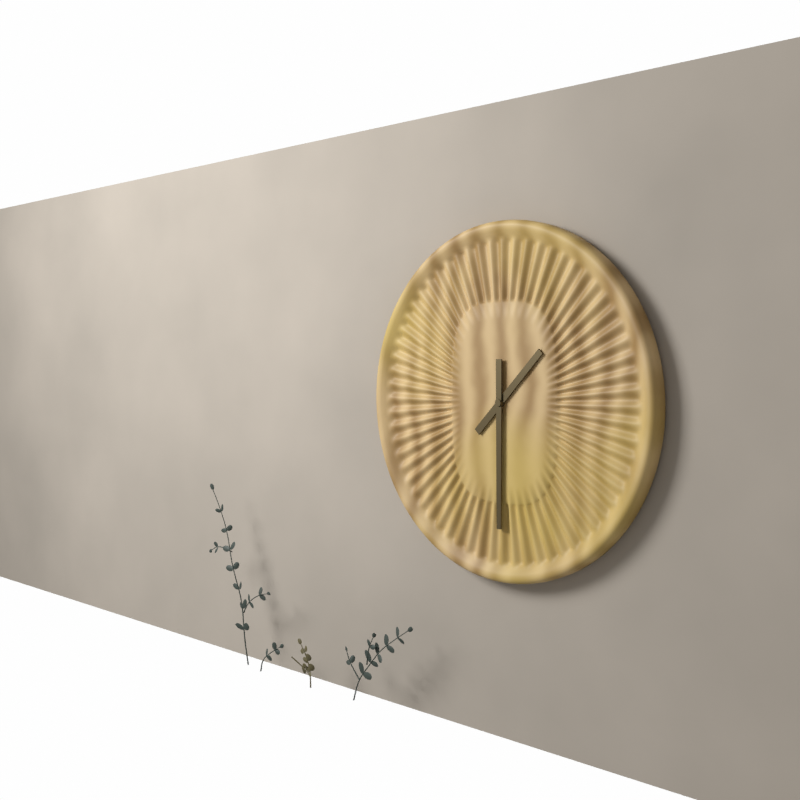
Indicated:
1:30
